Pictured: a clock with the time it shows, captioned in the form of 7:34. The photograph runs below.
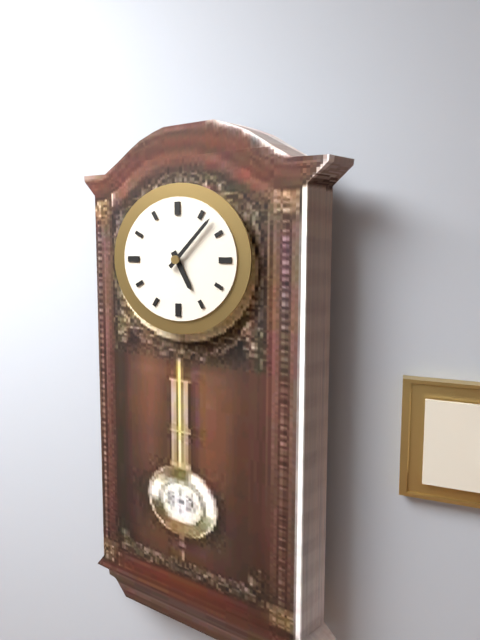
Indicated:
5:07
